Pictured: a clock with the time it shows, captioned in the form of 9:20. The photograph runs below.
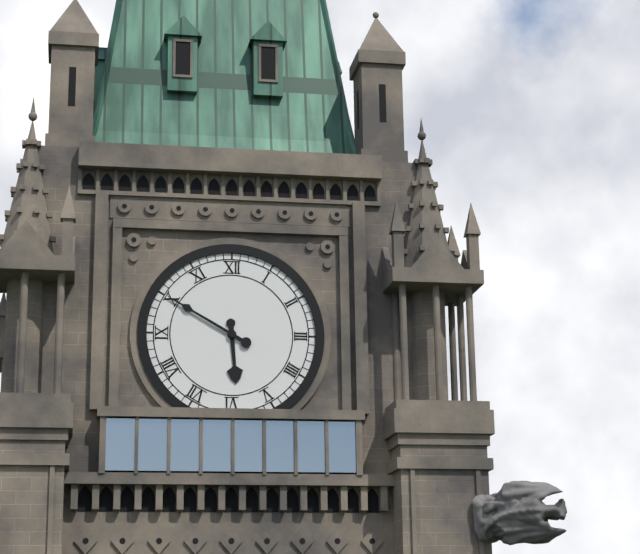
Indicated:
5:50
